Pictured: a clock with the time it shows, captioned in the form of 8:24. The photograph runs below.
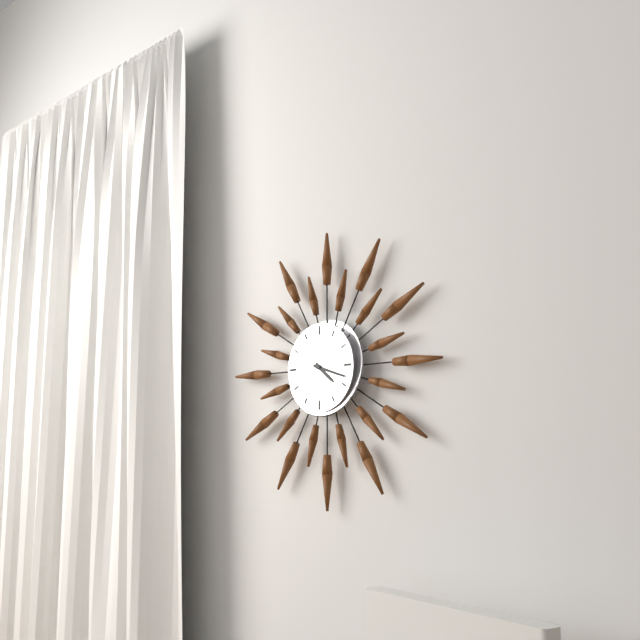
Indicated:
4:18
